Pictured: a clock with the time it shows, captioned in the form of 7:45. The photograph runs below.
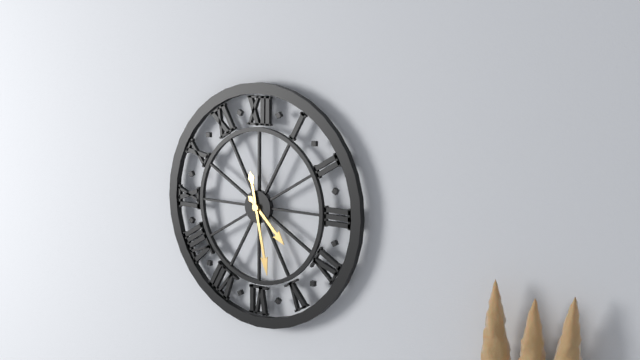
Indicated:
4:28
